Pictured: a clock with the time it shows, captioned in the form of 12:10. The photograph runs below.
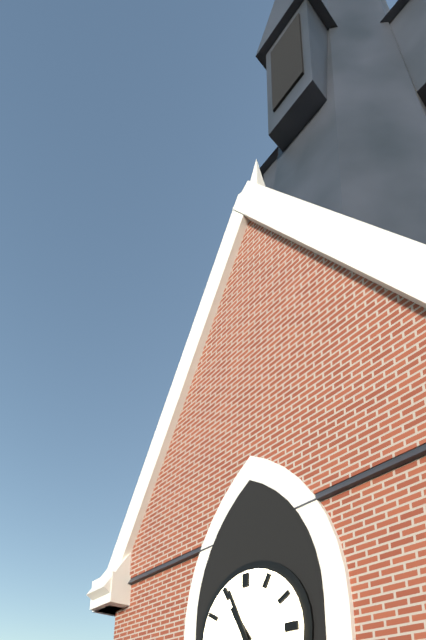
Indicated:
10:56
